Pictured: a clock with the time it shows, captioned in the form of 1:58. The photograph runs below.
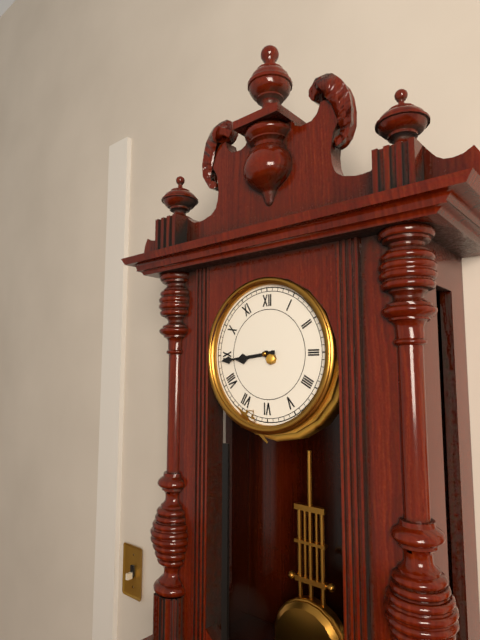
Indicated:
8:44
